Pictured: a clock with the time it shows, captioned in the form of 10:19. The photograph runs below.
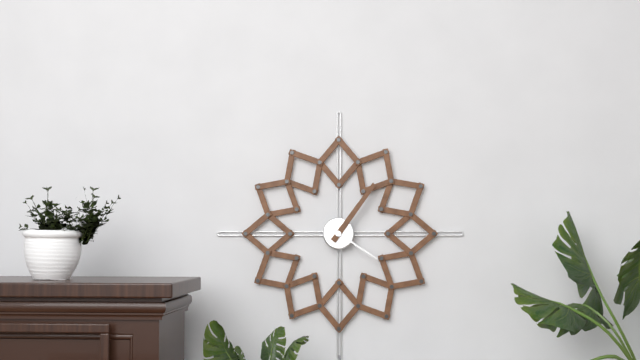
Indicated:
4:06
